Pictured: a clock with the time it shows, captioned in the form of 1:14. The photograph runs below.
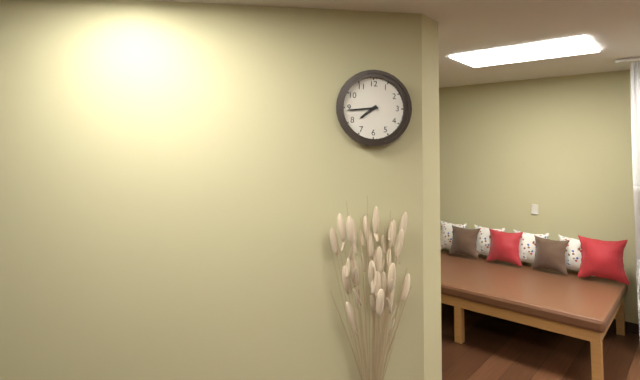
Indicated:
7:44
